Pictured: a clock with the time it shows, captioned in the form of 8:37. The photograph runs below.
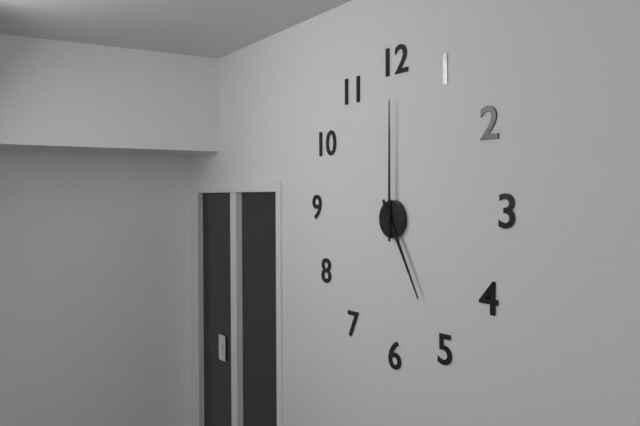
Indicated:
5:00
